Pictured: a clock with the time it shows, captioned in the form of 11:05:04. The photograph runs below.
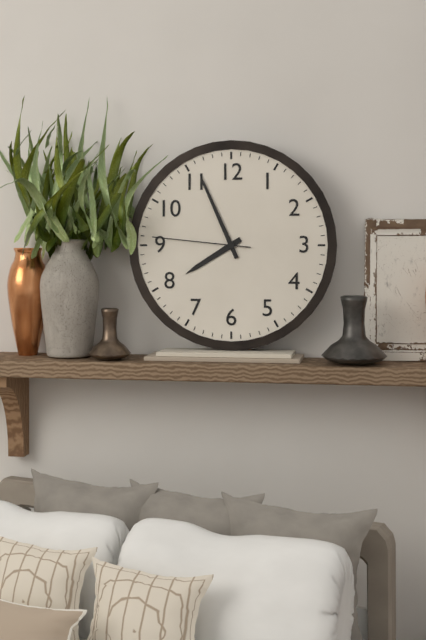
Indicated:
7:56:46
